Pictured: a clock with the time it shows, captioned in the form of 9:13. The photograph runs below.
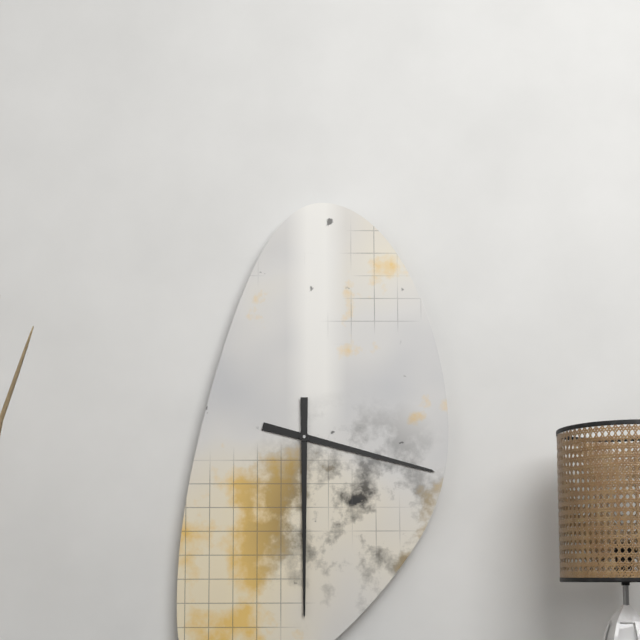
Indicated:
3:30
